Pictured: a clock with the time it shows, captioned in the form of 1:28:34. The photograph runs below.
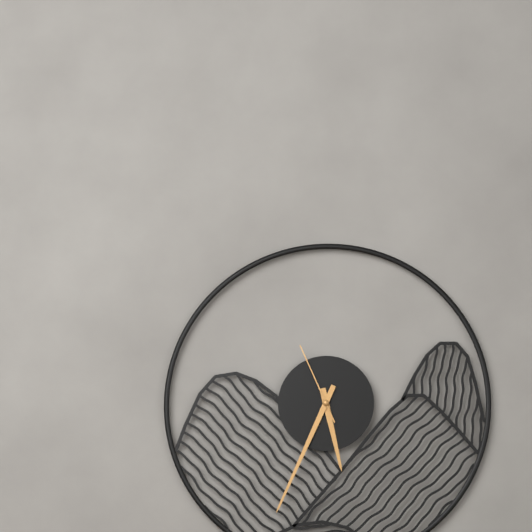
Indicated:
5:34:56
